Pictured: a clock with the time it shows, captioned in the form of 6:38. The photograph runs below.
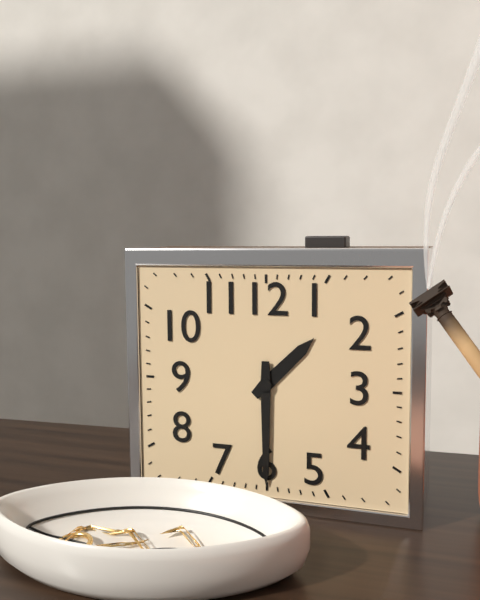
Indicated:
1:30
